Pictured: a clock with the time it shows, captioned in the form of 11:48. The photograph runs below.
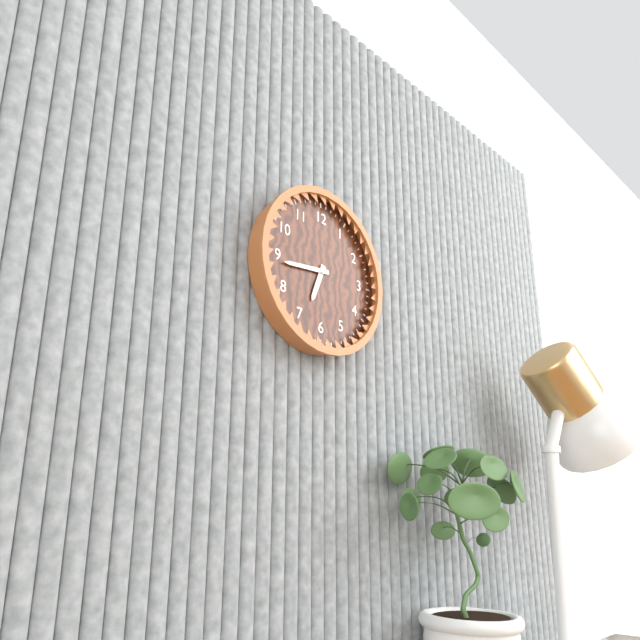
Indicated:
6:44
